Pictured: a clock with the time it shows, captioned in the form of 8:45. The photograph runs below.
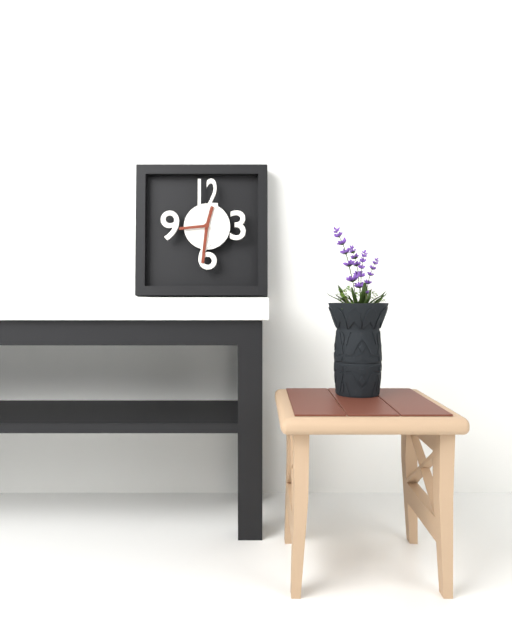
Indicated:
12:31
